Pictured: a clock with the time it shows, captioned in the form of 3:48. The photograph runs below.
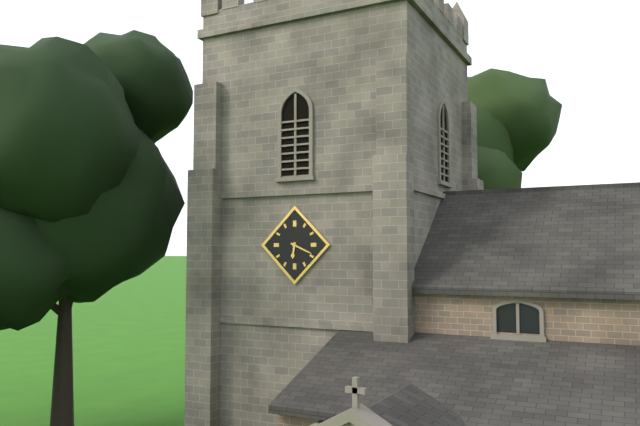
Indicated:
6:19
